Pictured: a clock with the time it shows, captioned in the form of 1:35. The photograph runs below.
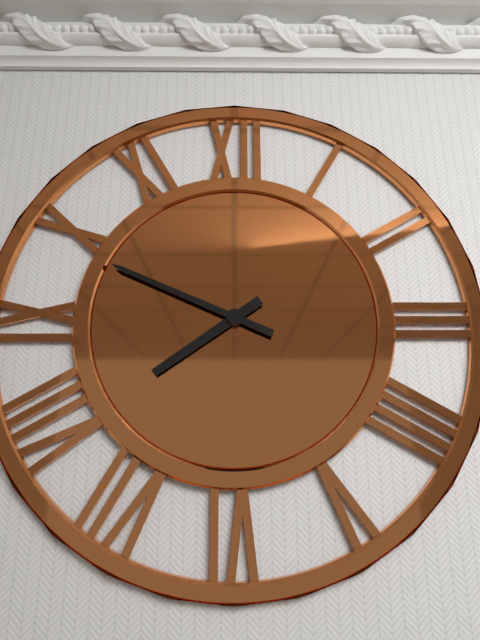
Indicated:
7:49
